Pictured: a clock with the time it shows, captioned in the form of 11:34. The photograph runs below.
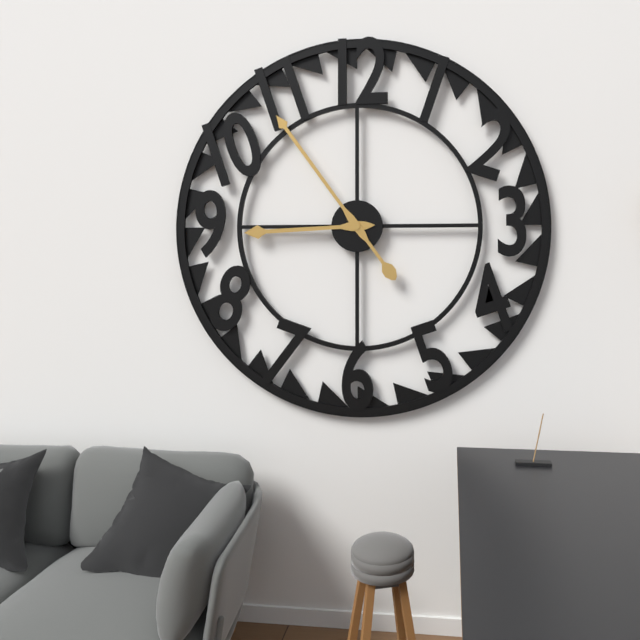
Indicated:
8:54
